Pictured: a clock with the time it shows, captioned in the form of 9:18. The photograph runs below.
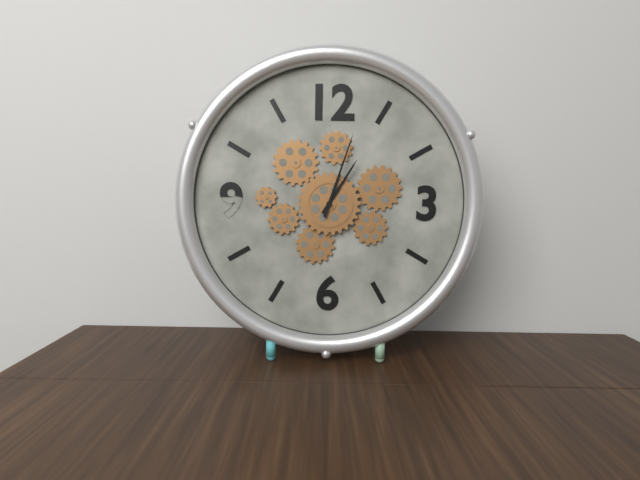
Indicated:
1:03
